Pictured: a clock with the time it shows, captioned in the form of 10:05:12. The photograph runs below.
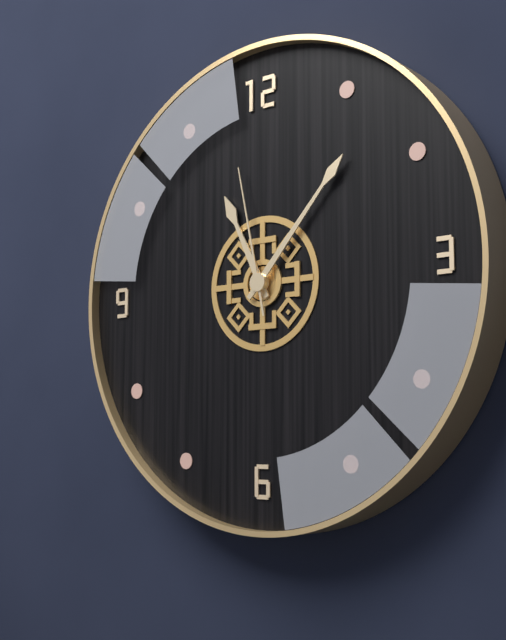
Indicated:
11:07:58
